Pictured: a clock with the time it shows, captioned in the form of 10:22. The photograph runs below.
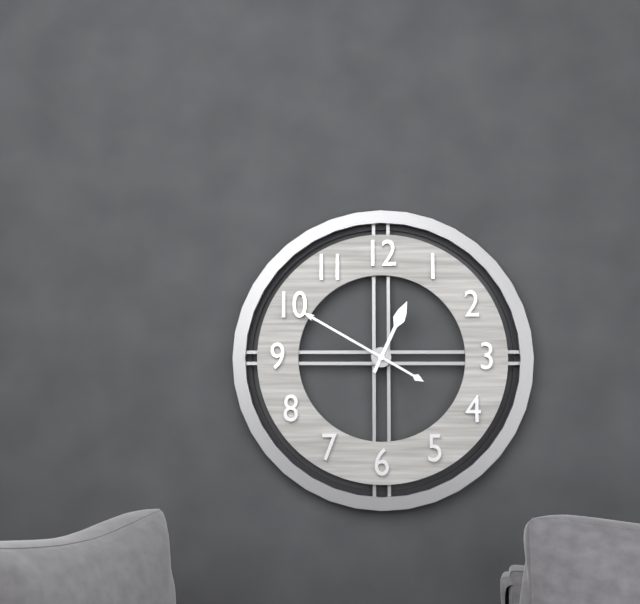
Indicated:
12:50
